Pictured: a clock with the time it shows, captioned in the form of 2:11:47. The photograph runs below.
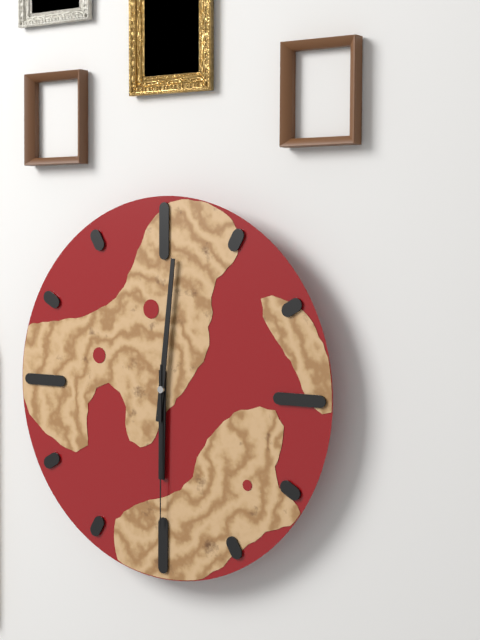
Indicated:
6:01:30
